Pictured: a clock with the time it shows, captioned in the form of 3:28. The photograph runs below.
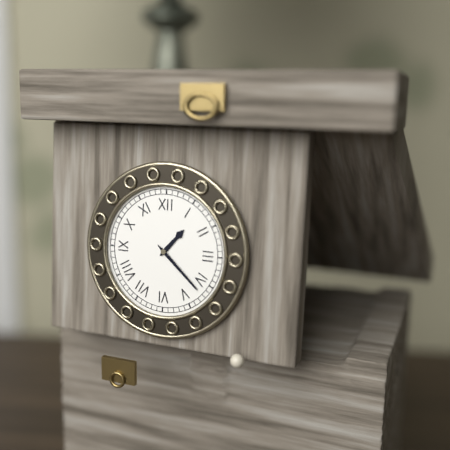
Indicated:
1:22
